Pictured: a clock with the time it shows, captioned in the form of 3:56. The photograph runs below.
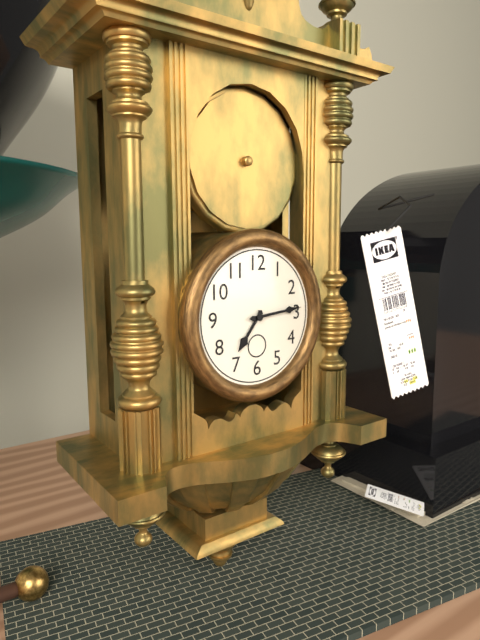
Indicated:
7:14
